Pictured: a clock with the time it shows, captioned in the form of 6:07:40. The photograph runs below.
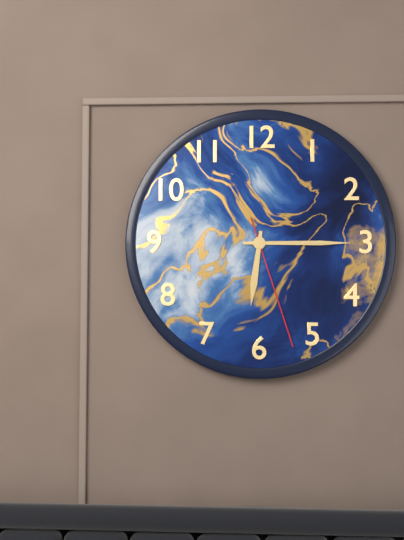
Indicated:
6:15:27
